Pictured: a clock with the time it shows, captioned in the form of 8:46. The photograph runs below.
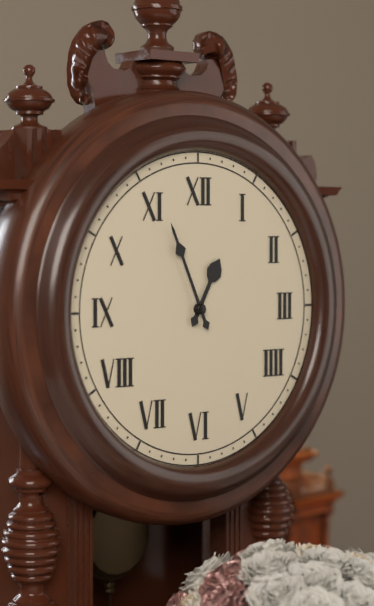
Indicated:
12:56
